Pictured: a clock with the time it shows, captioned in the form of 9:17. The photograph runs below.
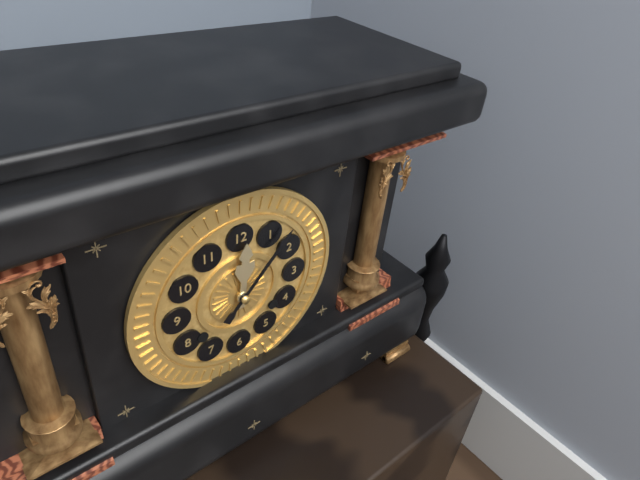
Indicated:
12:07
